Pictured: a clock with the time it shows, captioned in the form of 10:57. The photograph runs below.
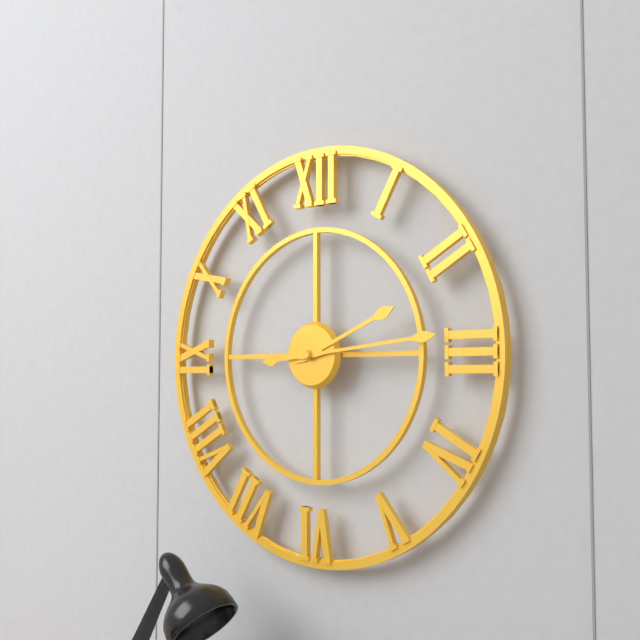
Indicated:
2:14
